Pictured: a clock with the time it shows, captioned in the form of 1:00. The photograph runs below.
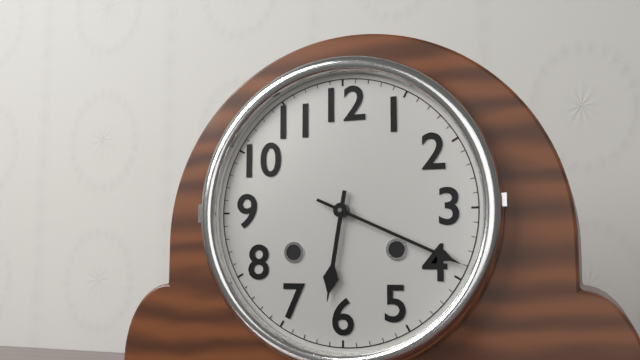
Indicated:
6:19
